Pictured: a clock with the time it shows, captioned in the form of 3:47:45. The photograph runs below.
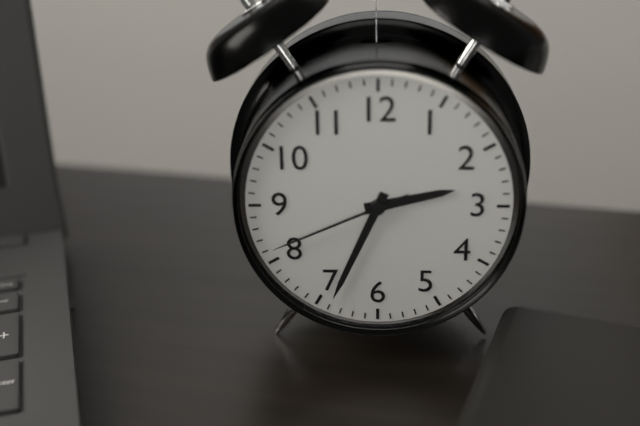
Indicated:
2:34:41
